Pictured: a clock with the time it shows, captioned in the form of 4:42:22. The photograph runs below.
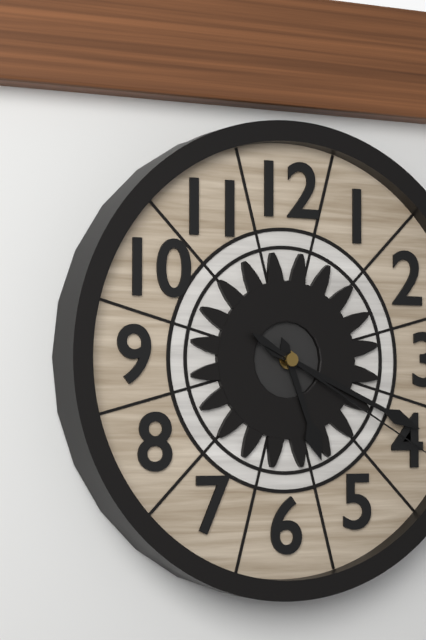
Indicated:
5:19:20
